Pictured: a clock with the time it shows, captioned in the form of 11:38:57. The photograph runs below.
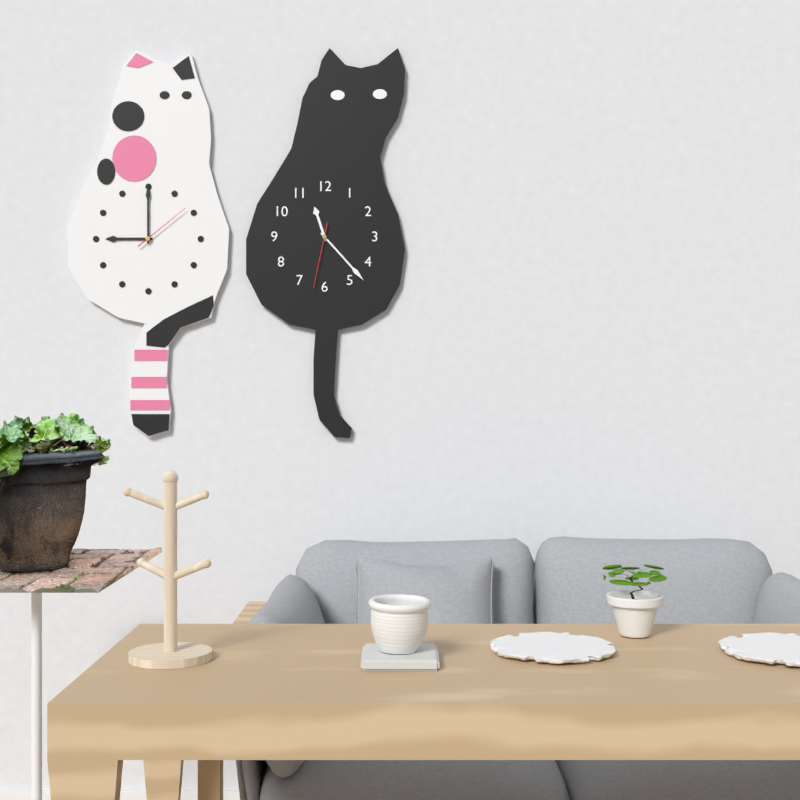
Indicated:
11:23:32
